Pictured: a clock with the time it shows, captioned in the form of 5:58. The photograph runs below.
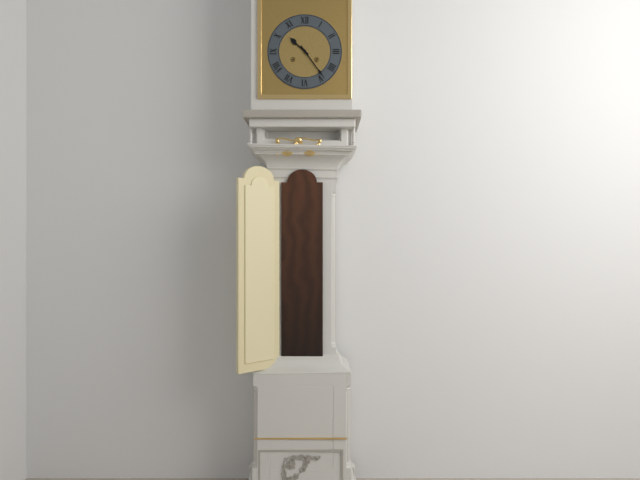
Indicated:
10:24
